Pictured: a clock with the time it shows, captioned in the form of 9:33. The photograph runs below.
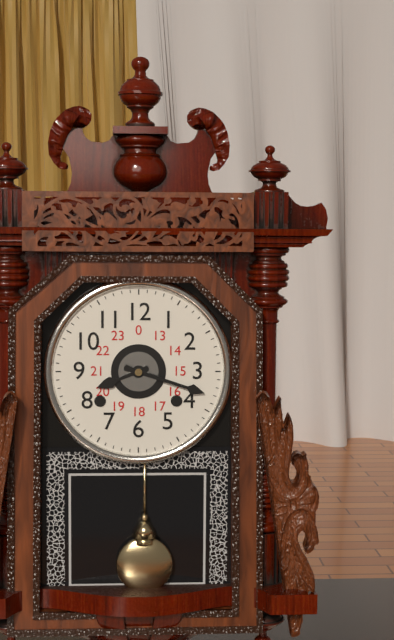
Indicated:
8:18
